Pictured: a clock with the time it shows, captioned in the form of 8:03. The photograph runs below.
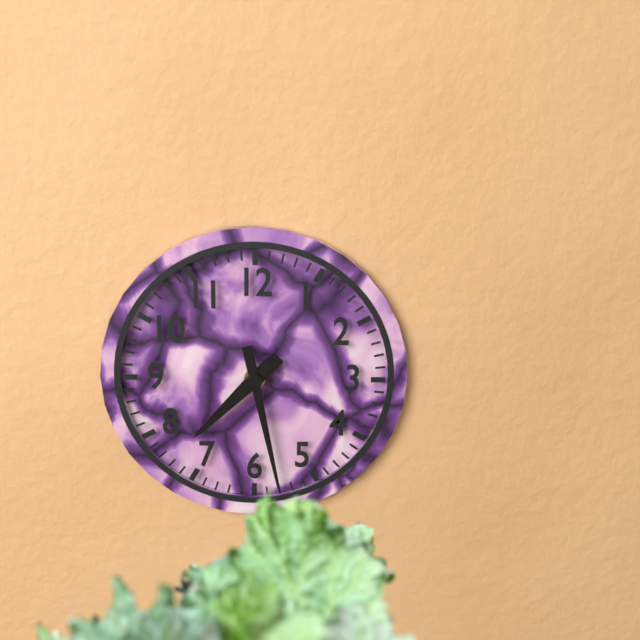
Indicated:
7:28
